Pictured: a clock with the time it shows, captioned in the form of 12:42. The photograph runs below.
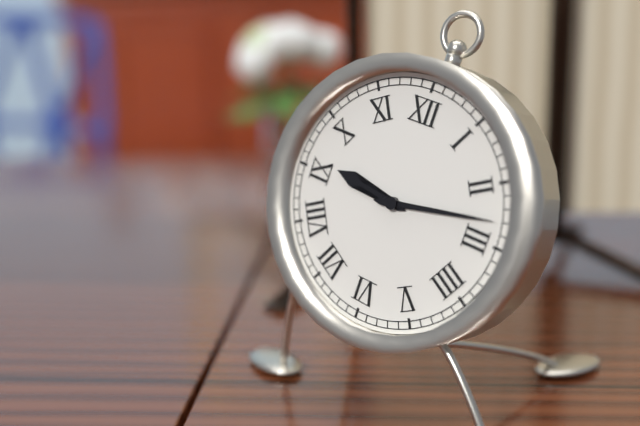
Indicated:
9:13
